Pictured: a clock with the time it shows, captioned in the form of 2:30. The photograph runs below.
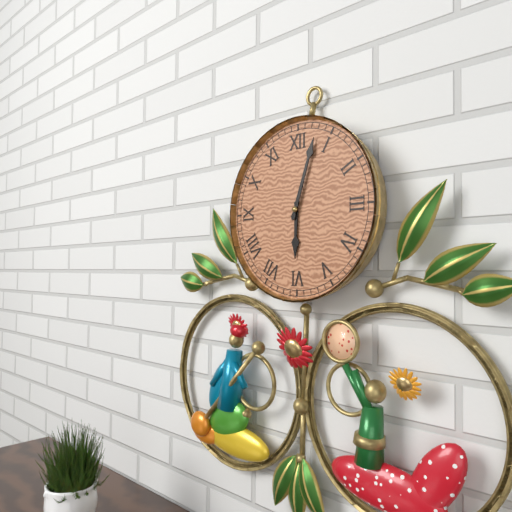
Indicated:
6:03
